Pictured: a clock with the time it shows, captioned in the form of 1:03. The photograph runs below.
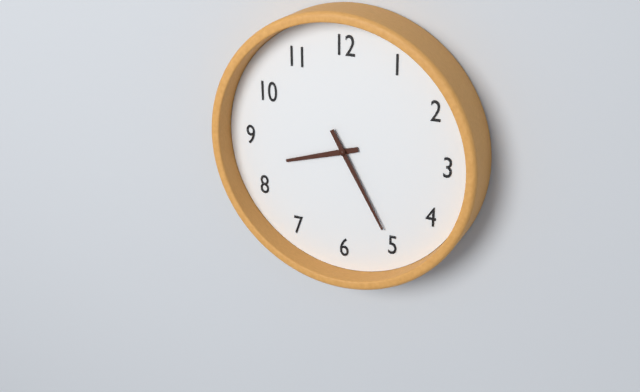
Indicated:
8:25
